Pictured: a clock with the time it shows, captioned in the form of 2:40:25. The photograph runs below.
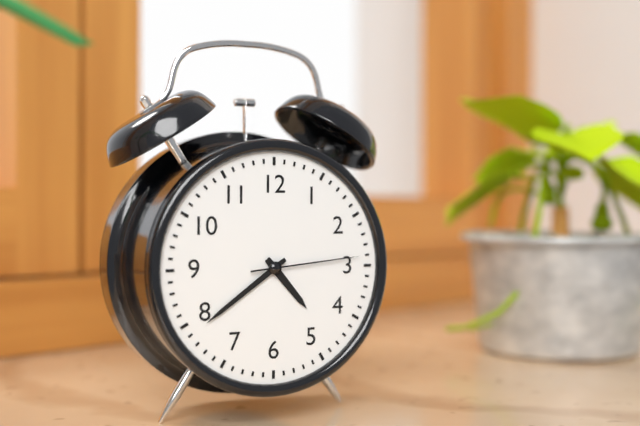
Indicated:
4:39:14
